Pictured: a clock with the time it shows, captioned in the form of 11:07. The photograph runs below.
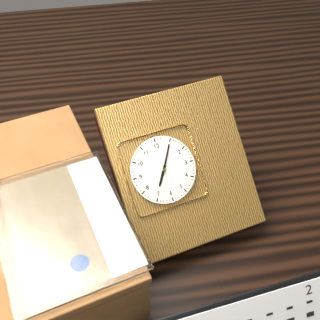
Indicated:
7:05
